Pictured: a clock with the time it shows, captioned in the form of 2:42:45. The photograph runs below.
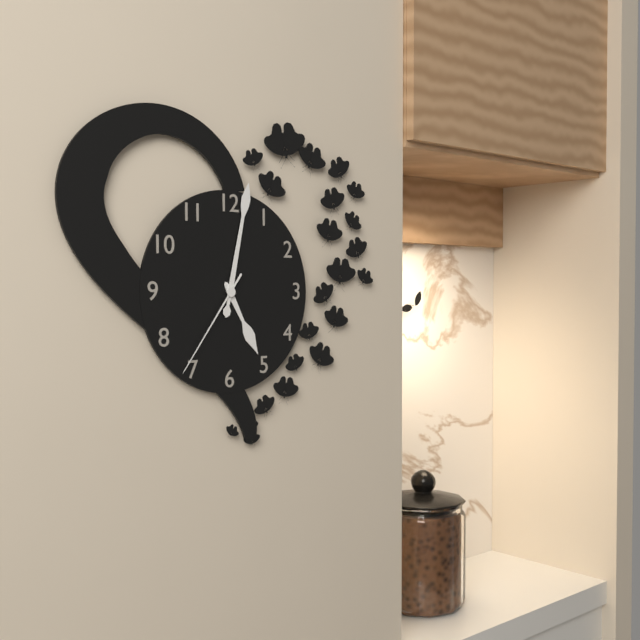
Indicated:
5:02:36
